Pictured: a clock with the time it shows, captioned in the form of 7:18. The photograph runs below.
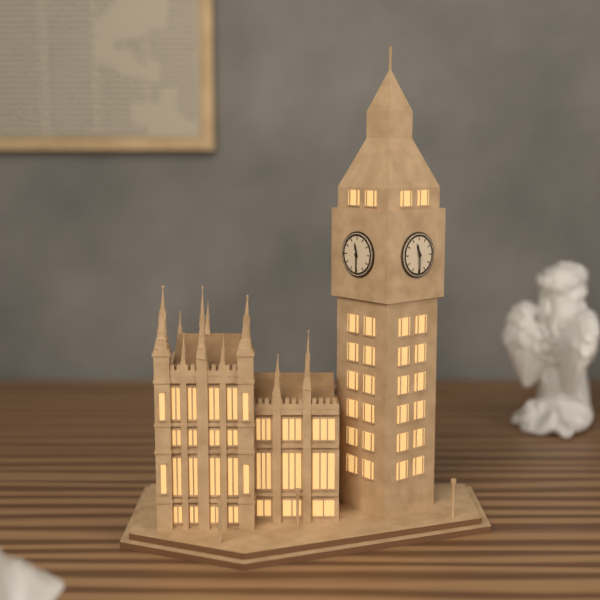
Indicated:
11:30
